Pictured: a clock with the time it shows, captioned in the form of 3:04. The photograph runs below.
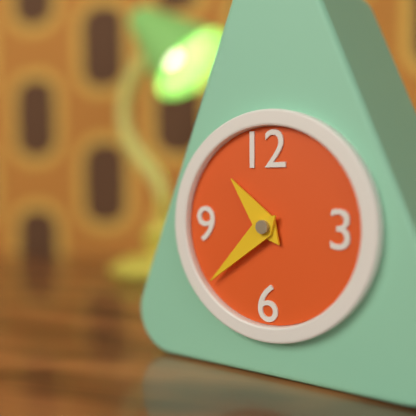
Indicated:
10:38
